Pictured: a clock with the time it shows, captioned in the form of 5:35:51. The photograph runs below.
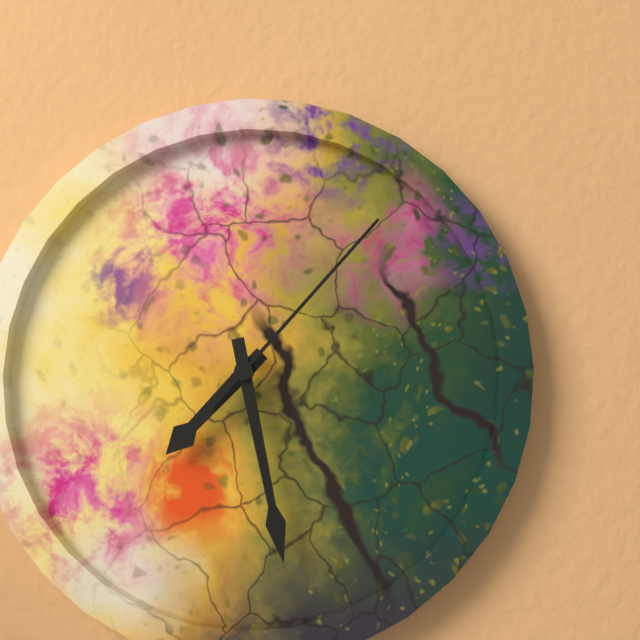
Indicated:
7:28:07
